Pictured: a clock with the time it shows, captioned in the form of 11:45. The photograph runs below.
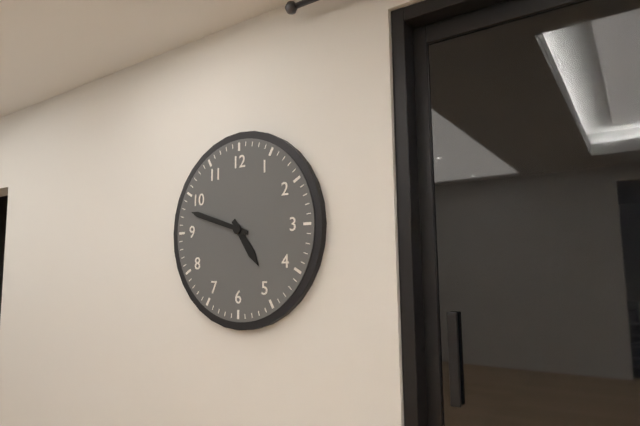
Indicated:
4:48
